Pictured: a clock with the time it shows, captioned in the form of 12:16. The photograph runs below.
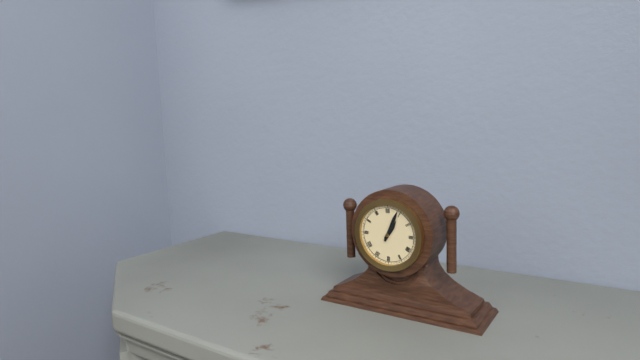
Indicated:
1:04
